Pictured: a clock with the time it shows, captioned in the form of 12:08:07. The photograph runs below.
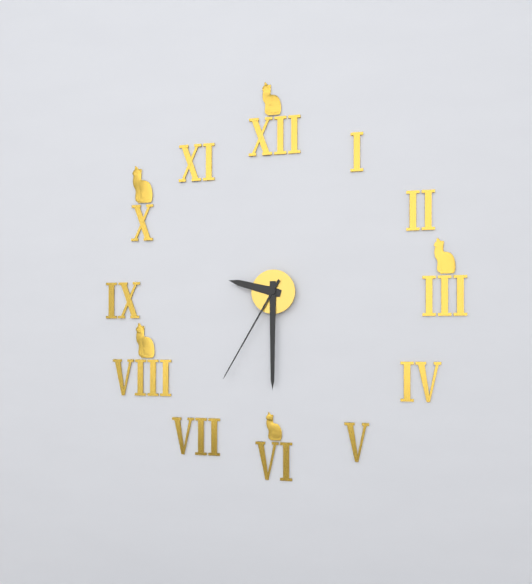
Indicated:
9:30:35
